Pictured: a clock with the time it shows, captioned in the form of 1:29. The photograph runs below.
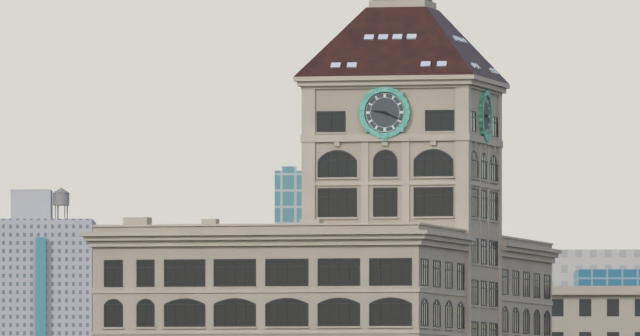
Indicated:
9:19
